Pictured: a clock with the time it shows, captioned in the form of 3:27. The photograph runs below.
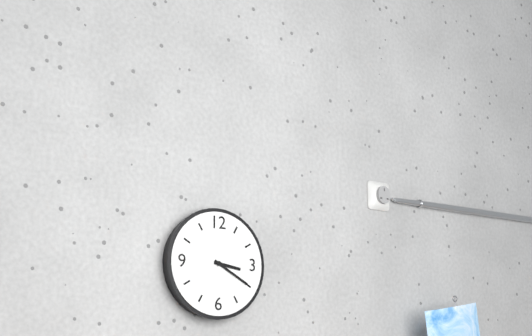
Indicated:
3:20
